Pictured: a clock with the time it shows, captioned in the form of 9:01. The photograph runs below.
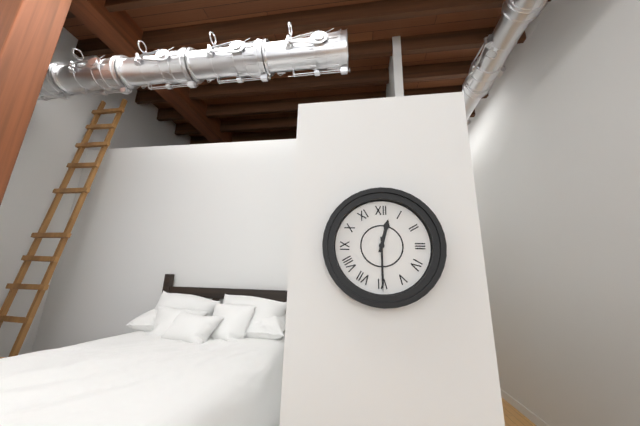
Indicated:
12:30
